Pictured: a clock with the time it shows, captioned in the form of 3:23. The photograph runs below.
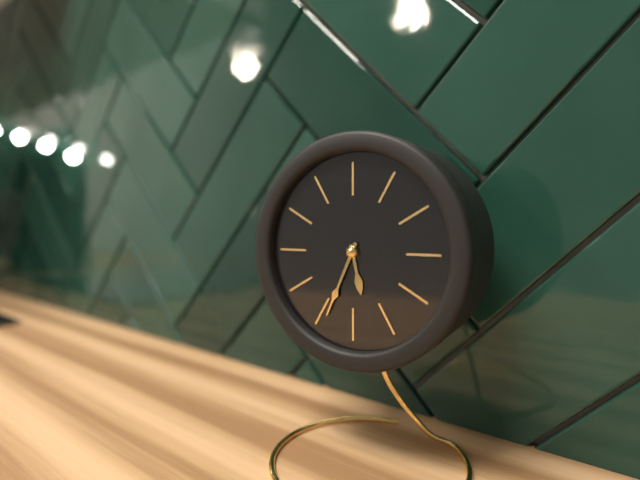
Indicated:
5:34
